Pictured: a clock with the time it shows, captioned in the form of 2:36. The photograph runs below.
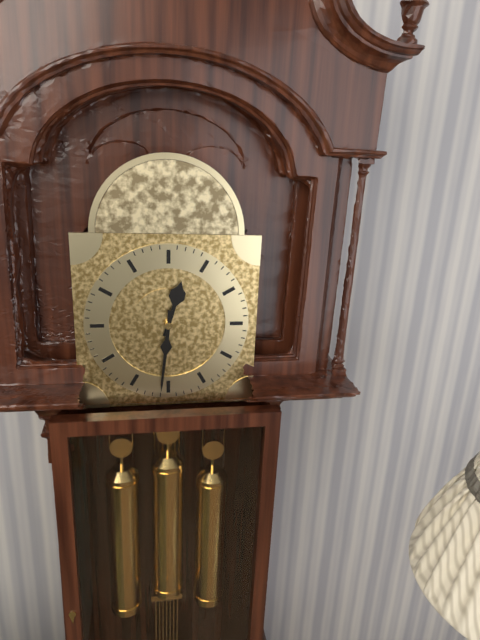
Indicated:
12:31
